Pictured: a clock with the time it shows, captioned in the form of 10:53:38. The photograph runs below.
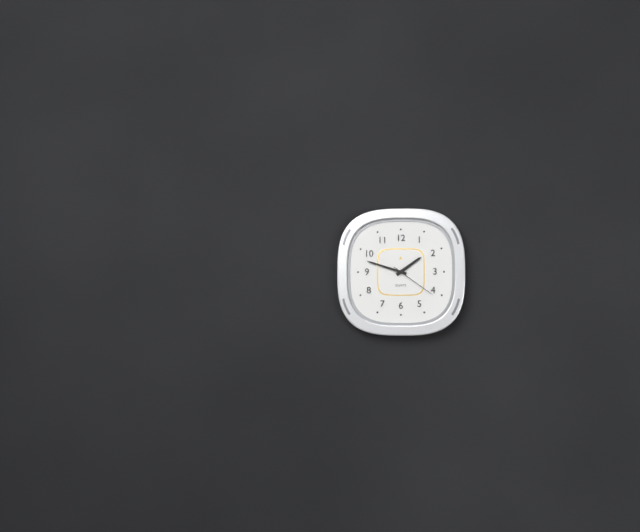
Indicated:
1:48:21
